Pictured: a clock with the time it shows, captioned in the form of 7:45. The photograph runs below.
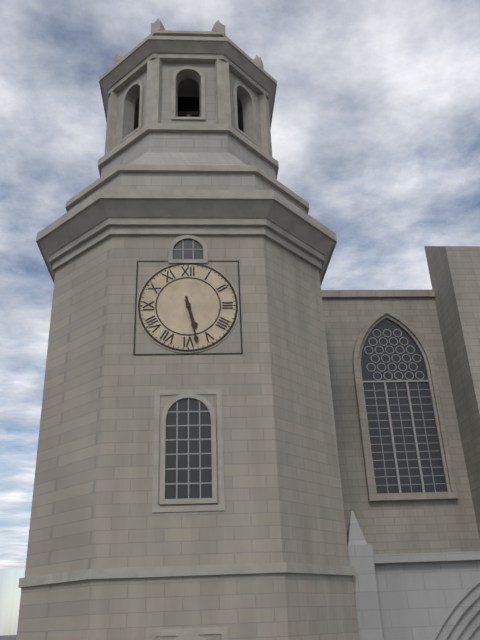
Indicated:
5:28
